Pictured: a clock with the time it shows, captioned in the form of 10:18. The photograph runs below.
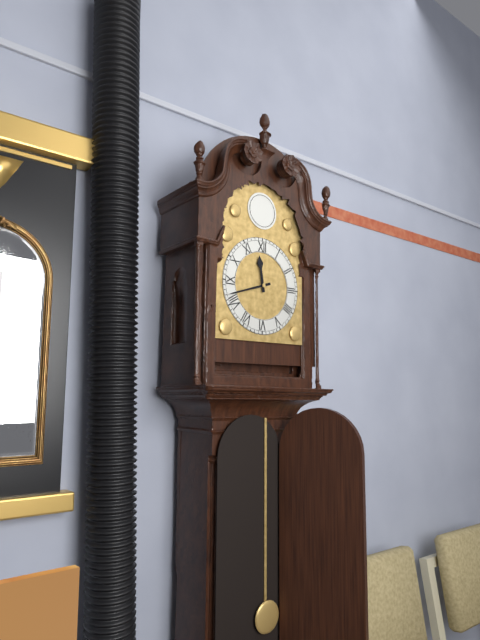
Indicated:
11:42
